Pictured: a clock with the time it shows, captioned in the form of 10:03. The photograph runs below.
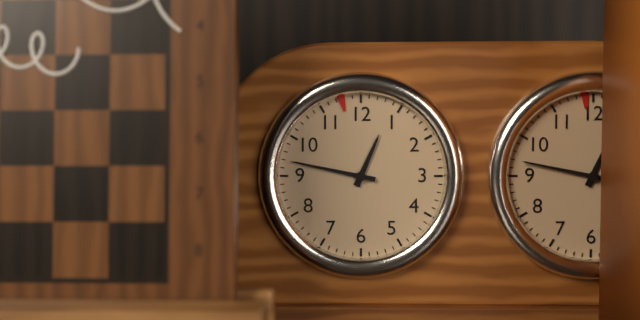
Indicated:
12:47
